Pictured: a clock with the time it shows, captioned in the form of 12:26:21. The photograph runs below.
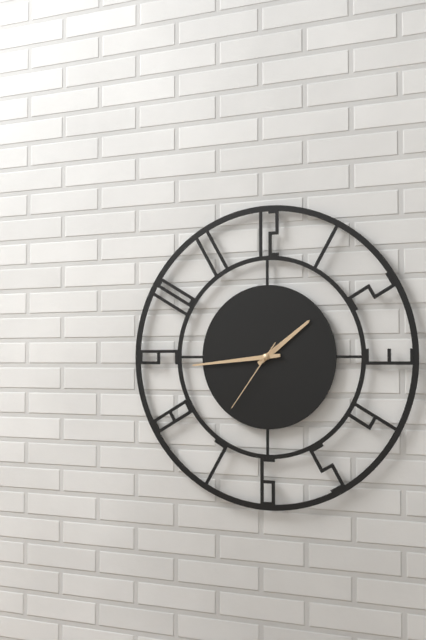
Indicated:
1:44:36
